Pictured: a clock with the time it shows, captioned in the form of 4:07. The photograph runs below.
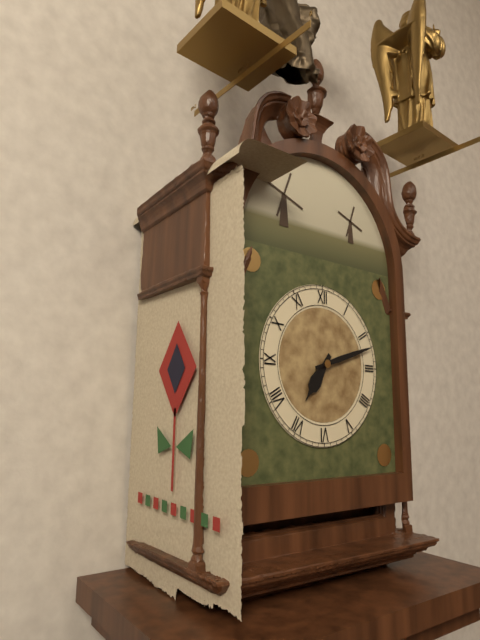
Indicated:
7:12
